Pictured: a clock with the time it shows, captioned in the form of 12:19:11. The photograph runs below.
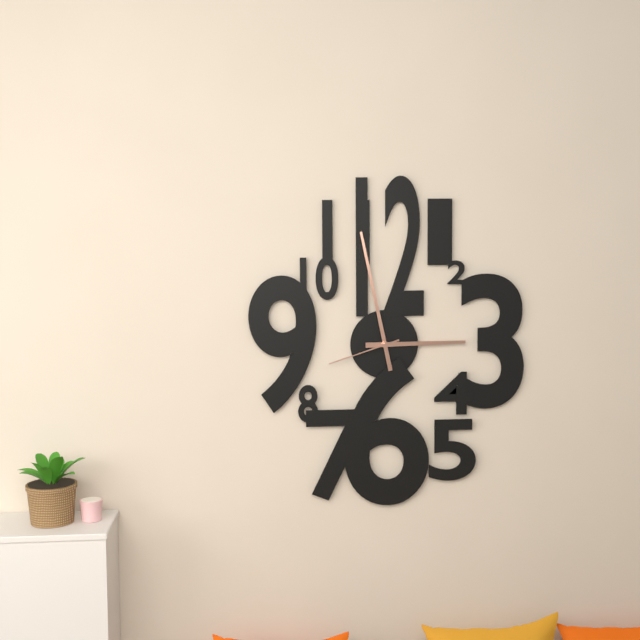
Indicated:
2:58:42
